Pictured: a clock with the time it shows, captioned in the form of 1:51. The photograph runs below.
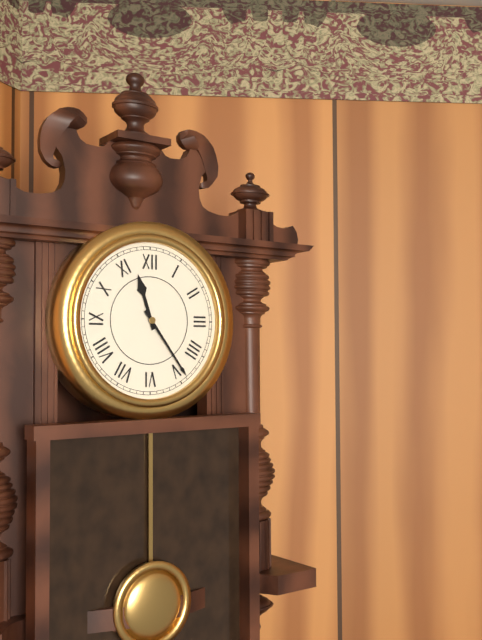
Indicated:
11:24
